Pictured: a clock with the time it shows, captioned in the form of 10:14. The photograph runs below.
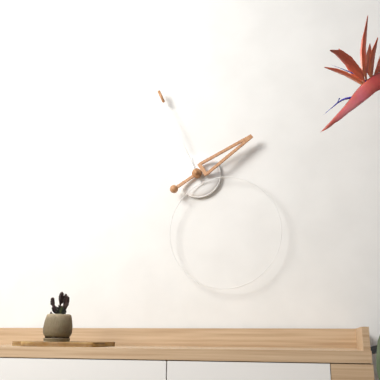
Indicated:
1:56
